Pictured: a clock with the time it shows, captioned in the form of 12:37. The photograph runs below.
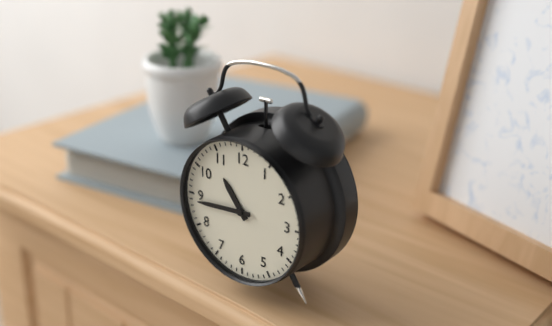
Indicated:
10:44
